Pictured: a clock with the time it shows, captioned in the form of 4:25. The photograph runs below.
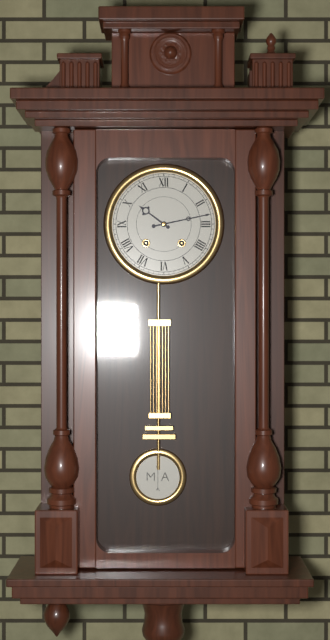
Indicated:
10:13
